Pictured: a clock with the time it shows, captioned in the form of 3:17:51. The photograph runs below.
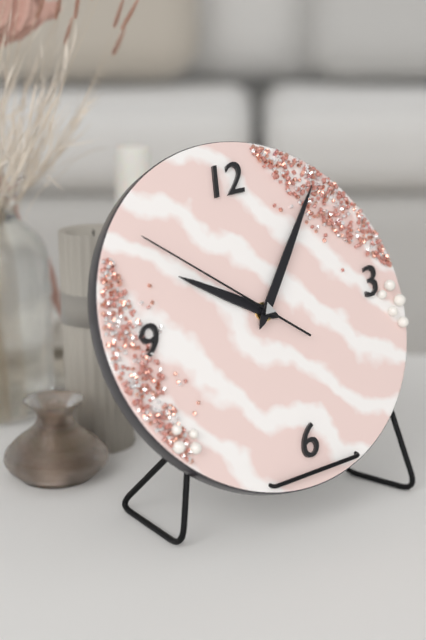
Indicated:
10:07:52
